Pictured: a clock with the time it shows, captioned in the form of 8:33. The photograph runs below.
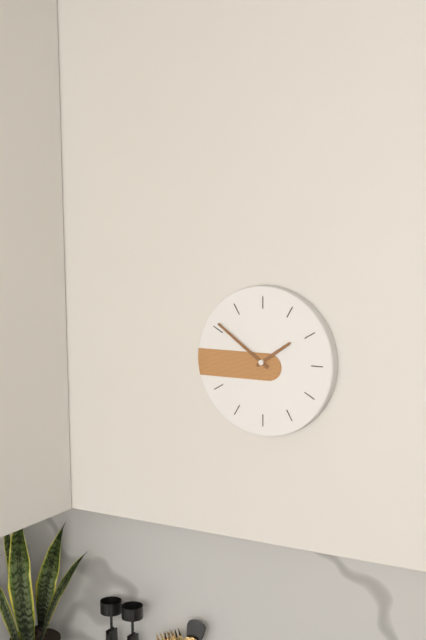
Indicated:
1:51
